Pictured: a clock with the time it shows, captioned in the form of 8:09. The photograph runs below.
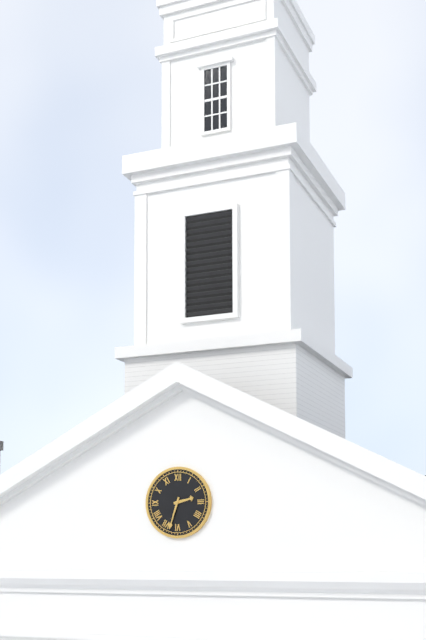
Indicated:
2:33
